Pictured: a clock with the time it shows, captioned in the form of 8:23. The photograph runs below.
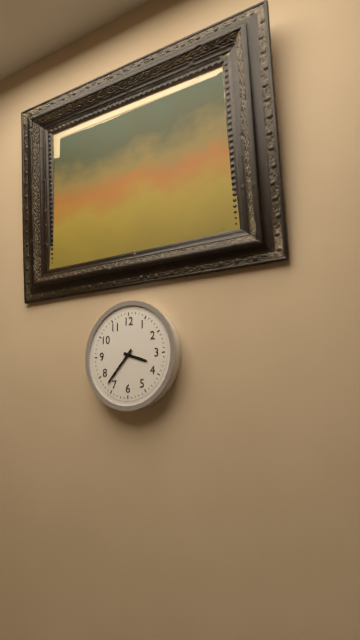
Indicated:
3:37
